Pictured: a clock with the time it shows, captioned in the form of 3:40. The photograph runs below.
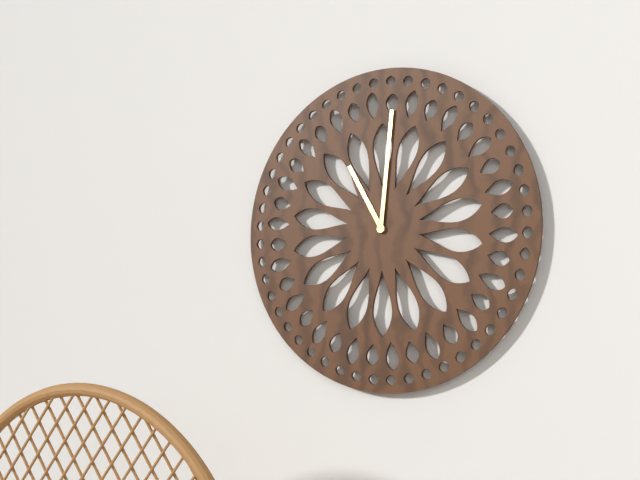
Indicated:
11:01
